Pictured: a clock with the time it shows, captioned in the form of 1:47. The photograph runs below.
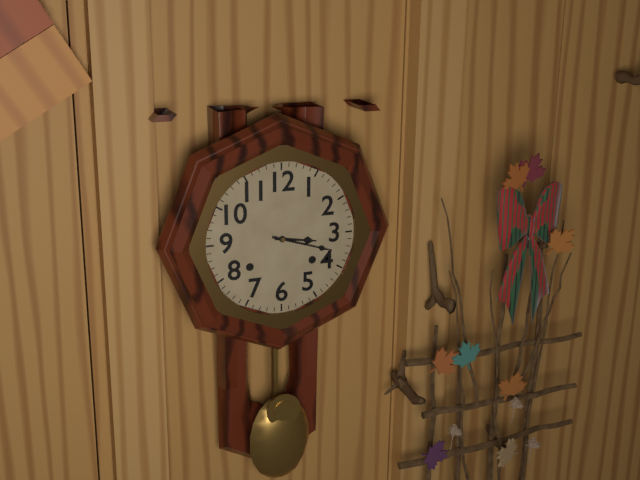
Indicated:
3:18
